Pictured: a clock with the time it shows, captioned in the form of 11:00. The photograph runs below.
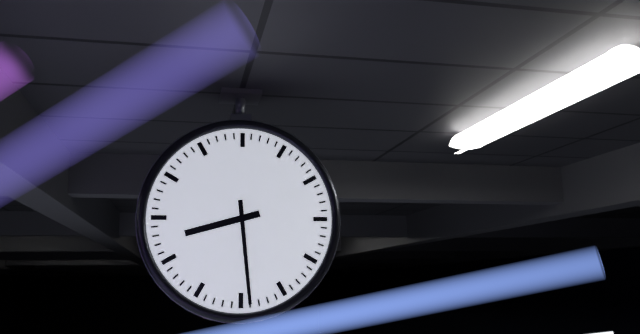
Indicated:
8:29
